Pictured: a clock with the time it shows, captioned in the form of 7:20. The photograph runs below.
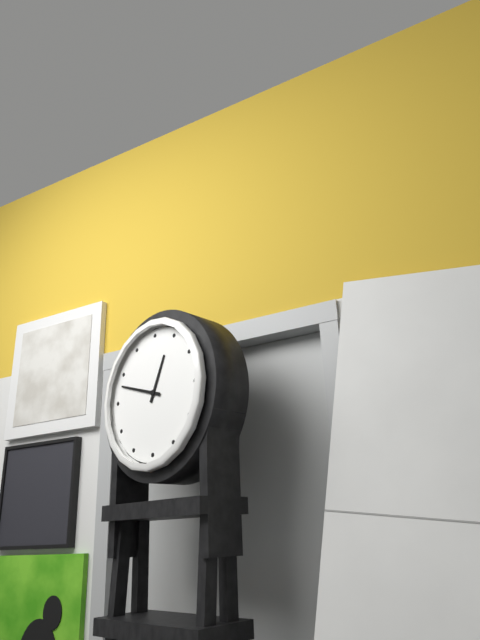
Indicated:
12:48
